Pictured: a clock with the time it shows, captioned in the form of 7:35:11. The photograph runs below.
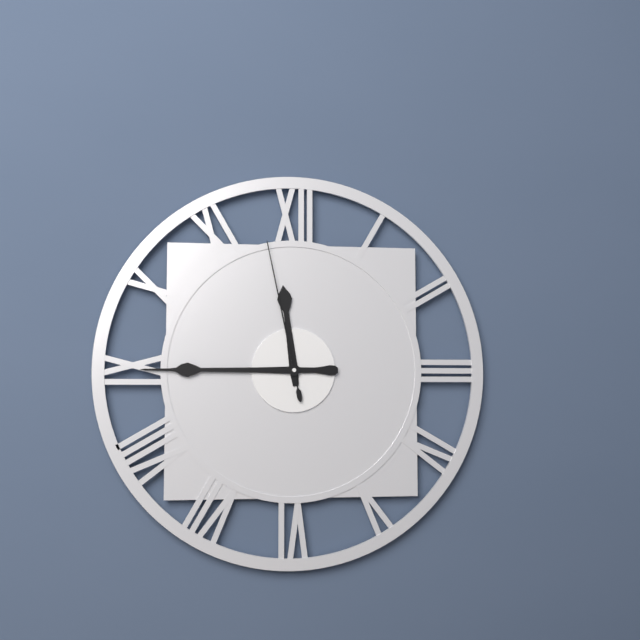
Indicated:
11:45:58
